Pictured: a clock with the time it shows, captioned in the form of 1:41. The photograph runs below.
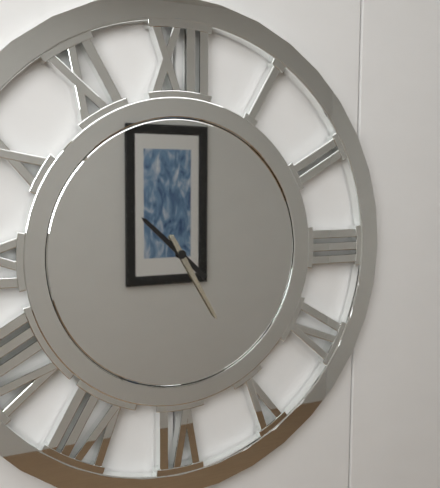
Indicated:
10:25
